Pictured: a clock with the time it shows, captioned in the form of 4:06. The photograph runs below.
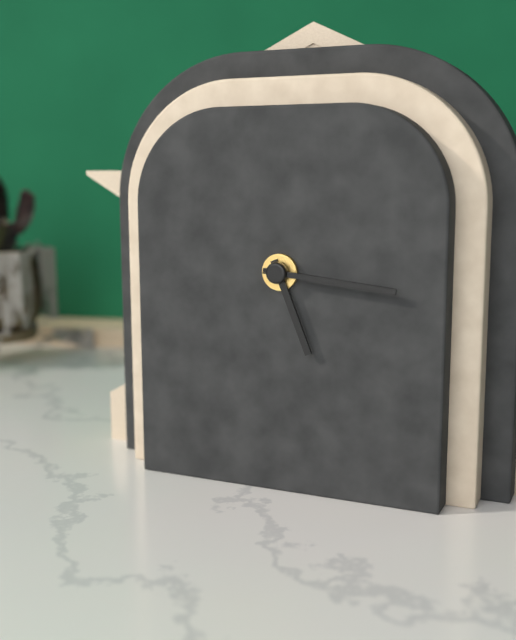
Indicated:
5:16
